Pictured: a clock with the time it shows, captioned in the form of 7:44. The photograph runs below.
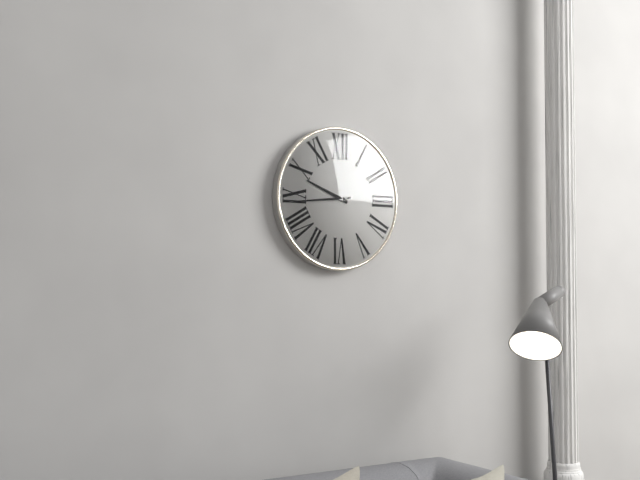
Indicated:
9:44
